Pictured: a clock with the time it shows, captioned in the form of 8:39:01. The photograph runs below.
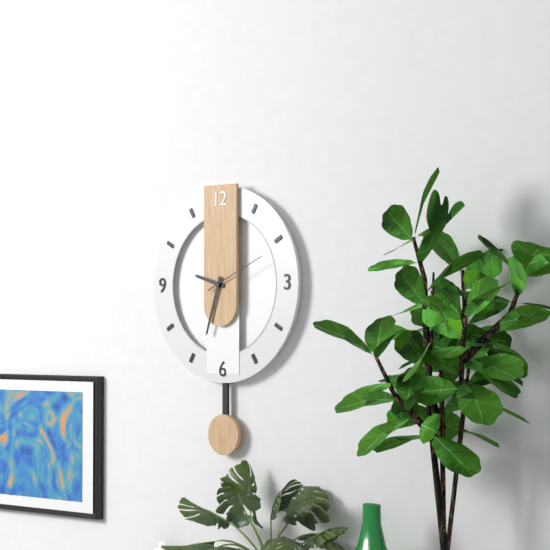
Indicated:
9:33:11
